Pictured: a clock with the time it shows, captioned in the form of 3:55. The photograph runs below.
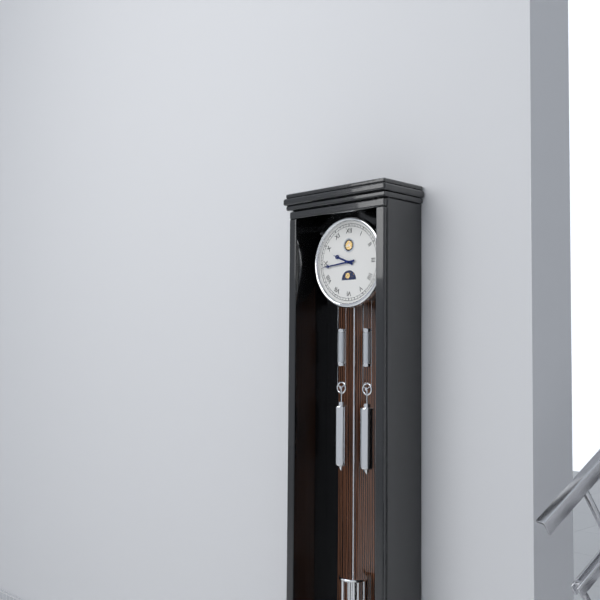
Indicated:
9:44
